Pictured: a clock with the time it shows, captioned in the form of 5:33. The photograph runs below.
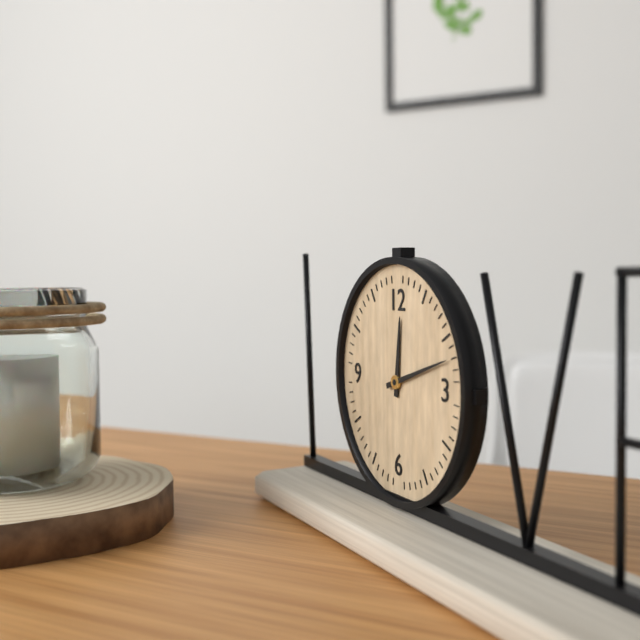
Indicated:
12:12
